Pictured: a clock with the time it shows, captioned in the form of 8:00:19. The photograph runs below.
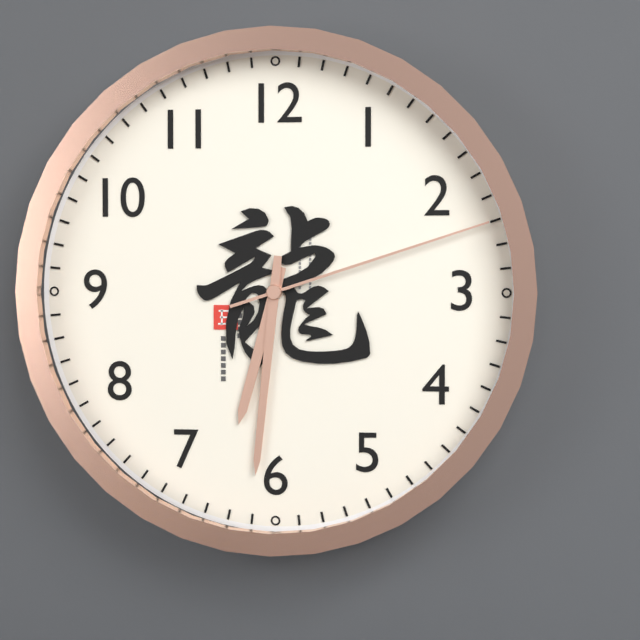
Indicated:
6:31:12
